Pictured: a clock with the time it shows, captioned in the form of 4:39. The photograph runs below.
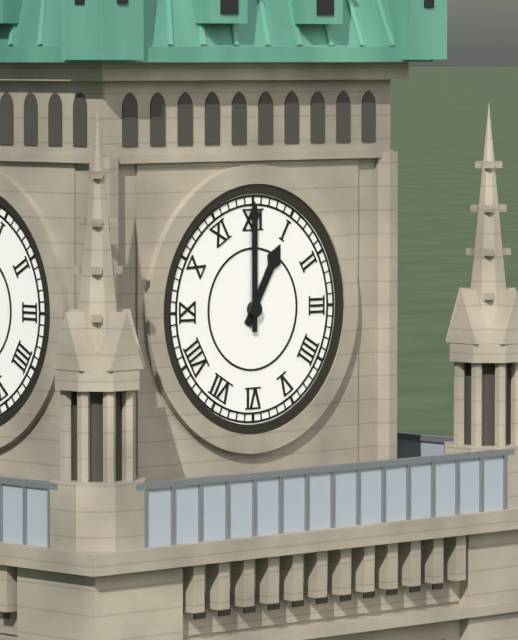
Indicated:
1:00
